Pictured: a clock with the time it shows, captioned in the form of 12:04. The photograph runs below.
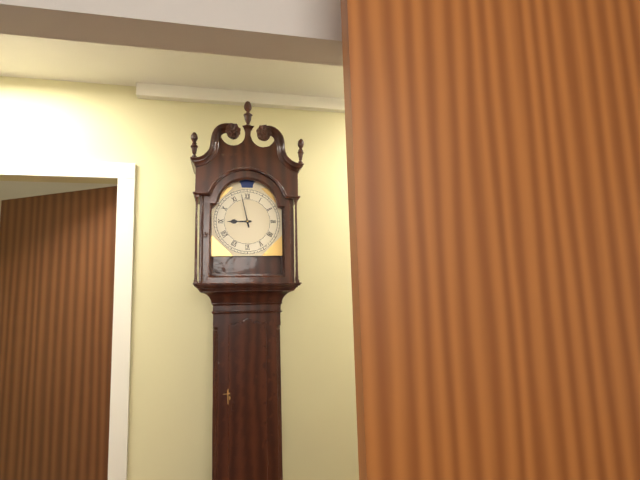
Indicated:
8:58
